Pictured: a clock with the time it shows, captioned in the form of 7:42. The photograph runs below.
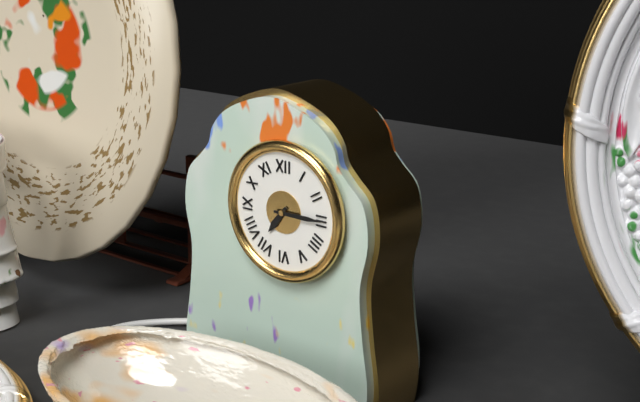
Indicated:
7:15
